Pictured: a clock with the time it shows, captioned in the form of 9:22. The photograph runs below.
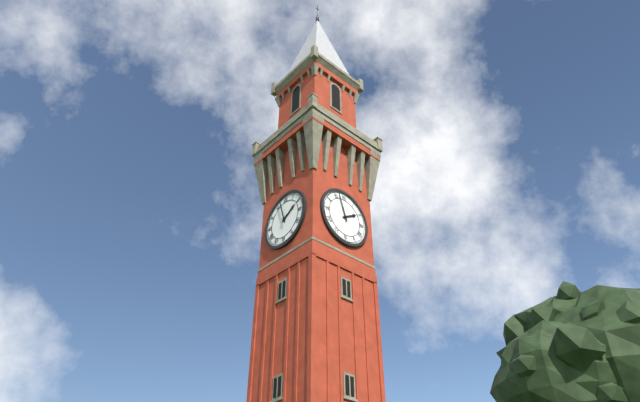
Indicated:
1:57
